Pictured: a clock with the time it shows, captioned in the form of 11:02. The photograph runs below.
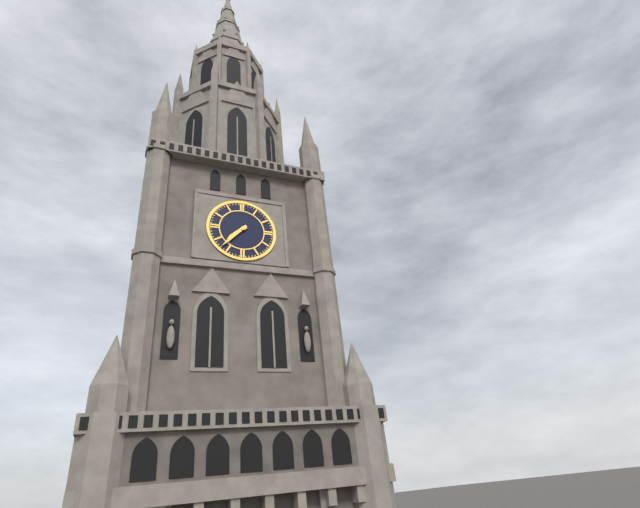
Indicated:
7:37
